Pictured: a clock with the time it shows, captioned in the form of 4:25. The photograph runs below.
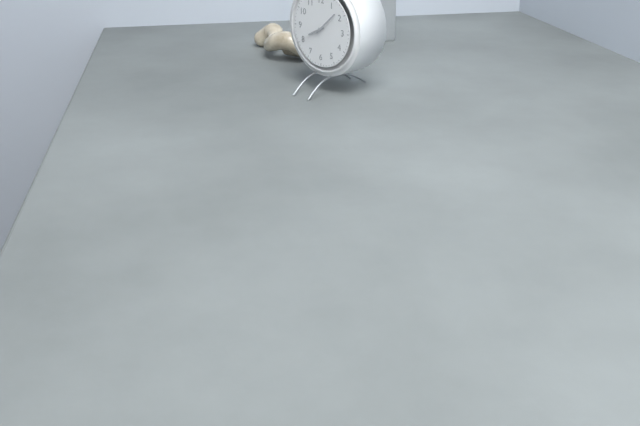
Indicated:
8:08
